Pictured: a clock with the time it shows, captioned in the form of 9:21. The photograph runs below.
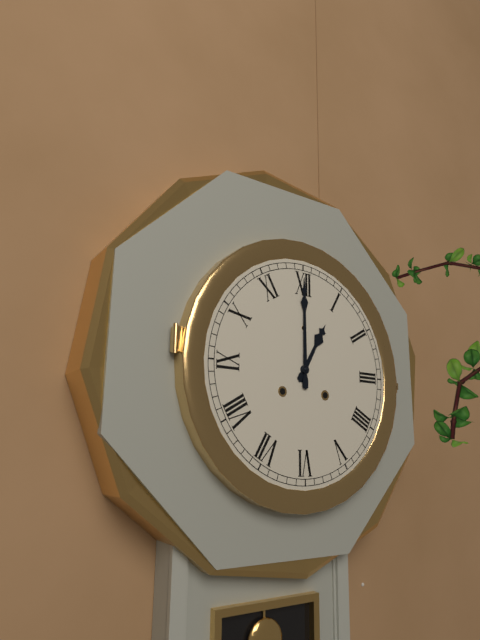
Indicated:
1:00
